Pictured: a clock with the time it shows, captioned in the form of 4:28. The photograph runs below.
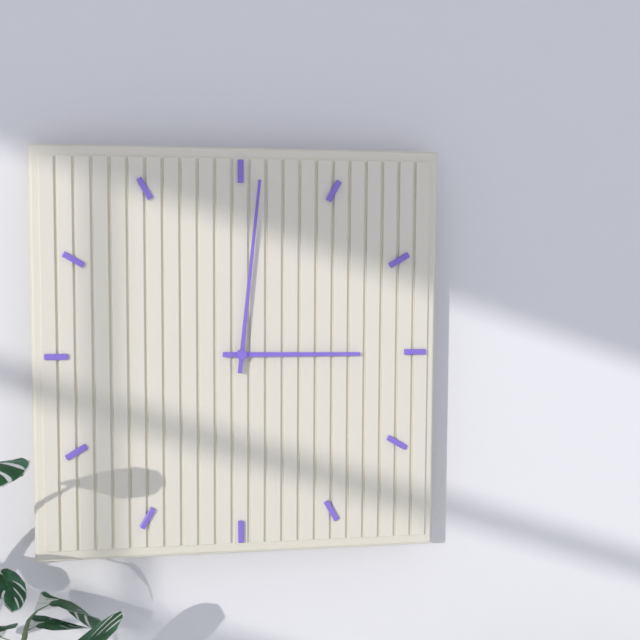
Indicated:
3:01
